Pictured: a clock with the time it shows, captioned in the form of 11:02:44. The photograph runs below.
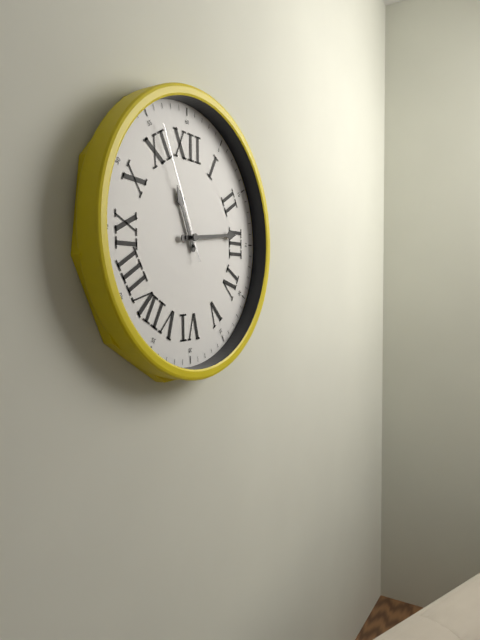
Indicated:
11:14:56
